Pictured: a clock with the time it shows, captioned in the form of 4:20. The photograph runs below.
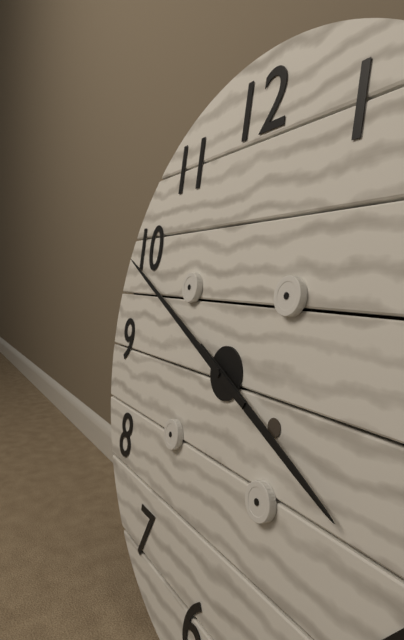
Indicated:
3:49
